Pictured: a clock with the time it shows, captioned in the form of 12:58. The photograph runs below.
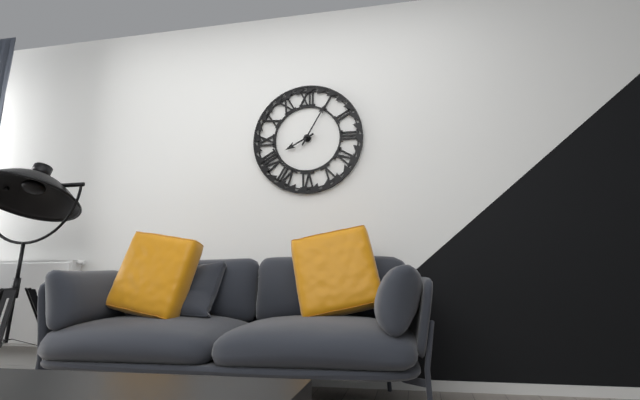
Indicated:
8:05
